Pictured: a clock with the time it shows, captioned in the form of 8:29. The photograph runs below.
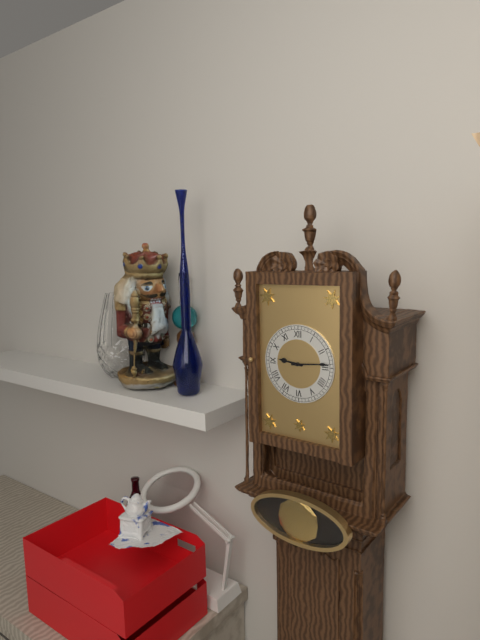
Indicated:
9:14
